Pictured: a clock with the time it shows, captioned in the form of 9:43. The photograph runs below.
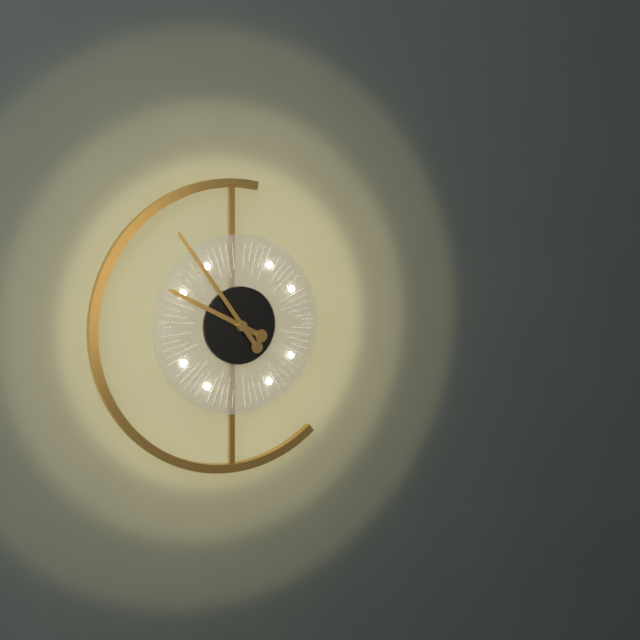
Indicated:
9:54
